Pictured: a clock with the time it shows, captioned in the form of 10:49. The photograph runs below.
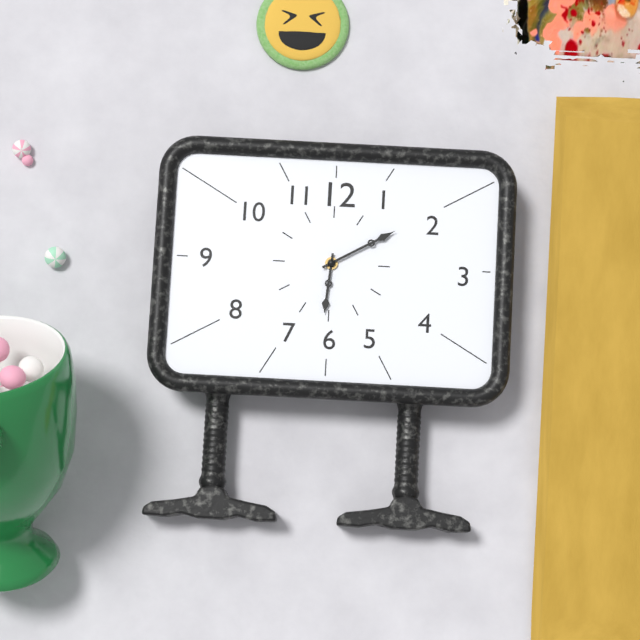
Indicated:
6:10
